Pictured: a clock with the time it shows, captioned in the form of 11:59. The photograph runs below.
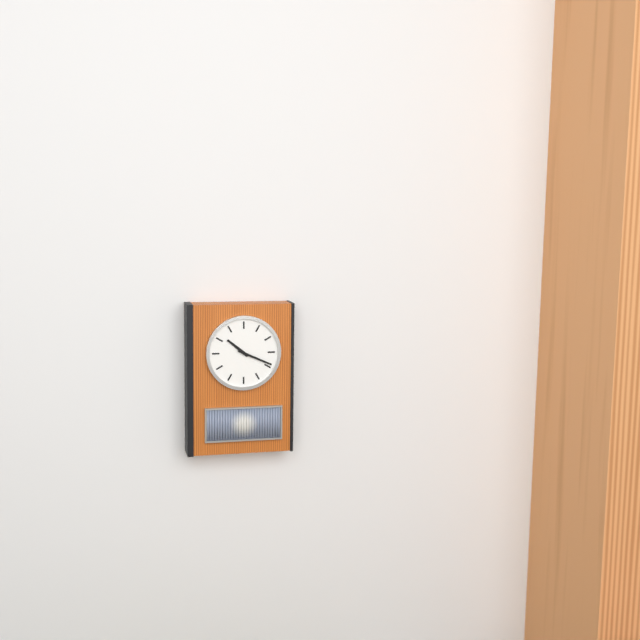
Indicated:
10:19
